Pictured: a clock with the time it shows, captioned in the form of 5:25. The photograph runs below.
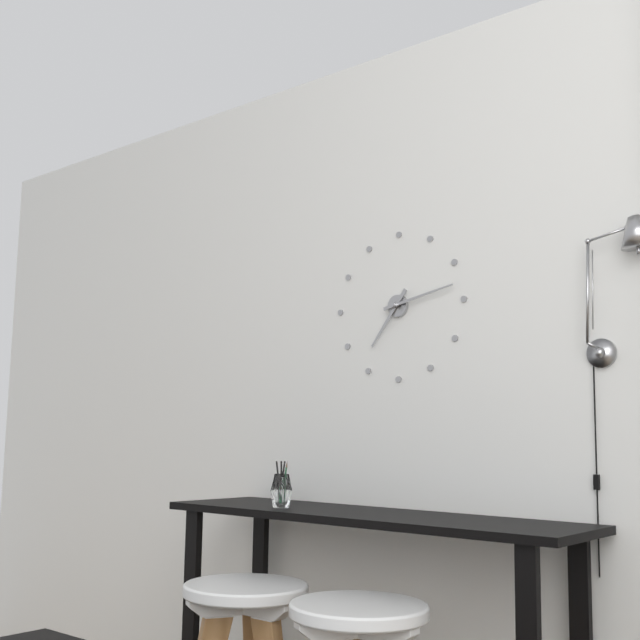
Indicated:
7:13
